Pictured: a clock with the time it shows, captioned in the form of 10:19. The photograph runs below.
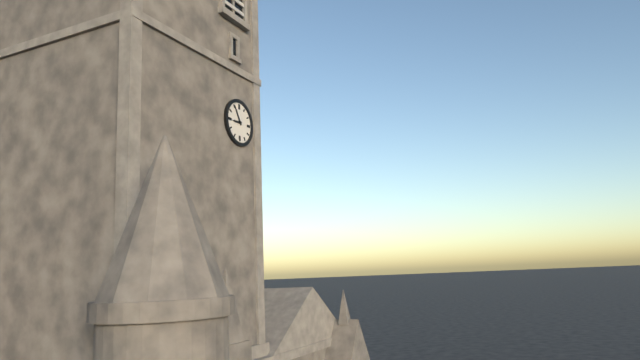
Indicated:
8:55
